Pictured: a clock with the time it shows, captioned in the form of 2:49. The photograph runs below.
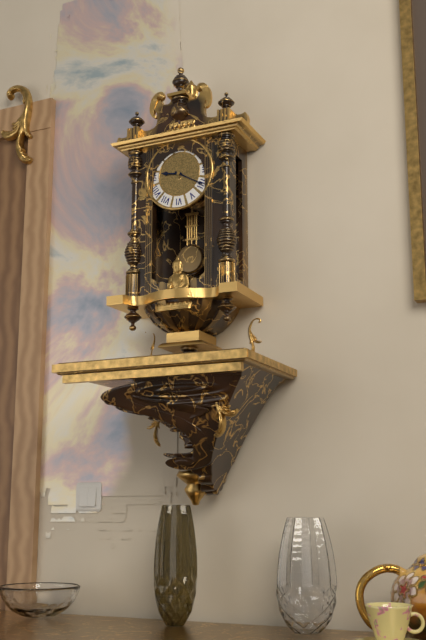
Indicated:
9:20
